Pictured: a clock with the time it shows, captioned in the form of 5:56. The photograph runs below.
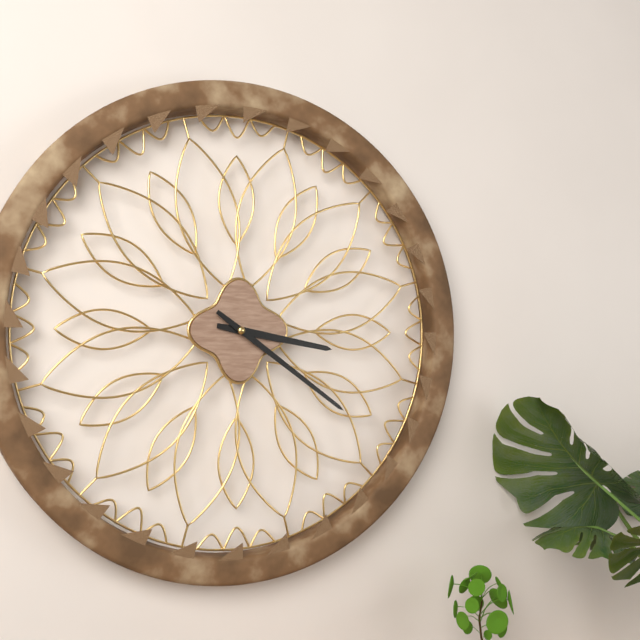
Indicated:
3:21
